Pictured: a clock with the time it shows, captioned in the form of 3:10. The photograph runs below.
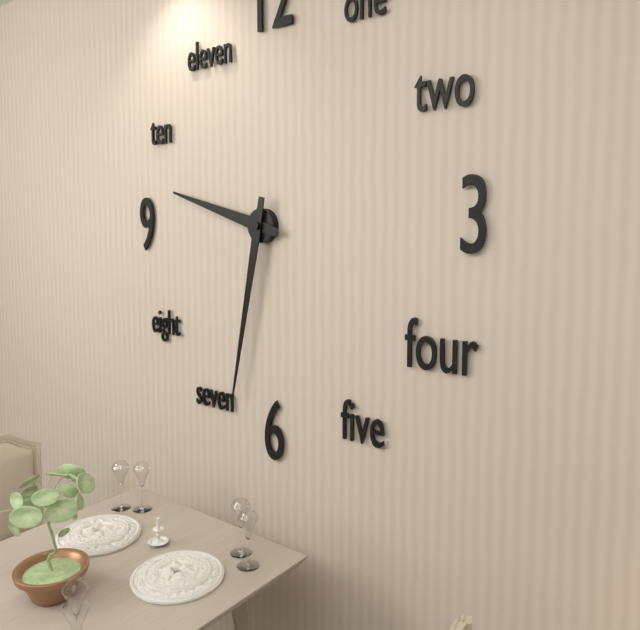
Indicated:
9:32
